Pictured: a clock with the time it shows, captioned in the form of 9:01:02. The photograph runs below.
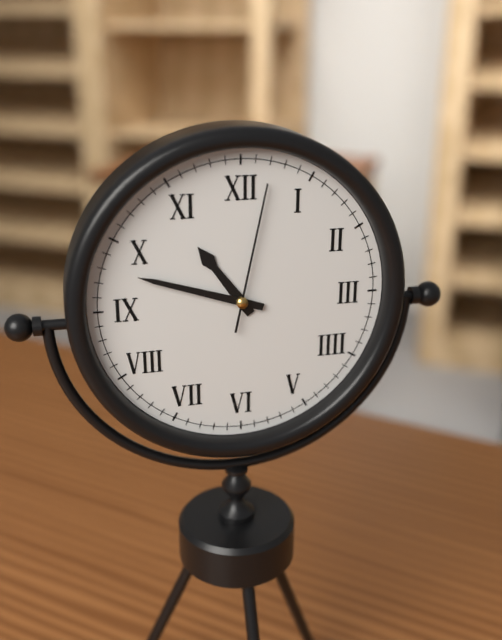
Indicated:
10:48:02
